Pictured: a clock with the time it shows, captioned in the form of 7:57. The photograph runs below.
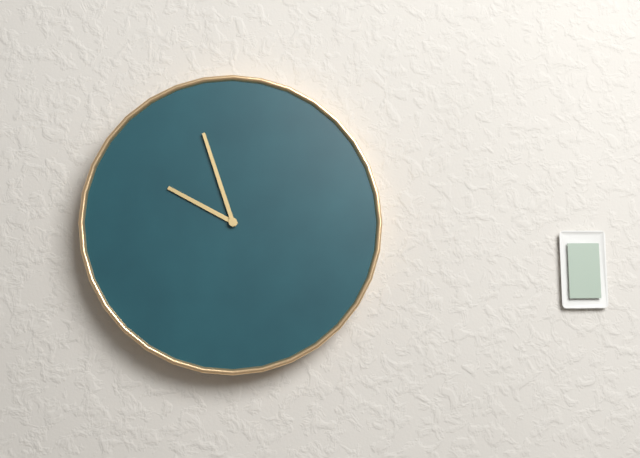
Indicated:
9:57
